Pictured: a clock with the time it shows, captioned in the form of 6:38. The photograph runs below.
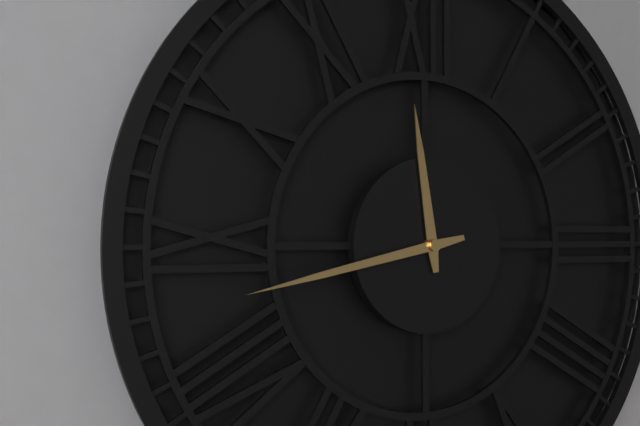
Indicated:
11:43
